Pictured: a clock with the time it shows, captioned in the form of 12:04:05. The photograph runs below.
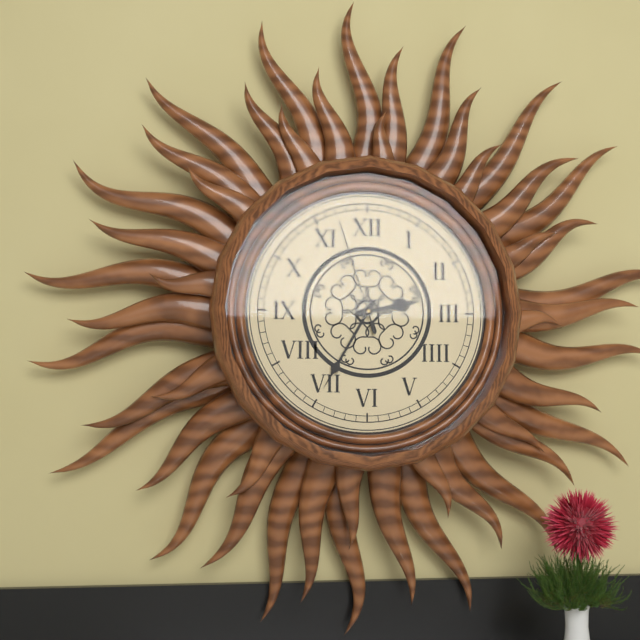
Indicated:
2:35:57
